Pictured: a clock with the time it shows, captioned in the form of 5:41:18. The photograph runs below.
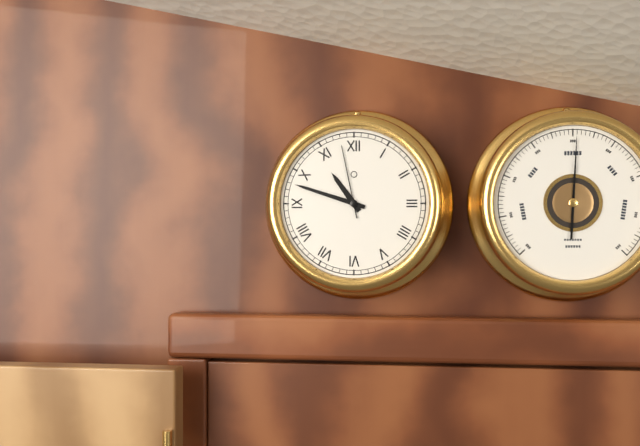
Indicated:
10:48:58
